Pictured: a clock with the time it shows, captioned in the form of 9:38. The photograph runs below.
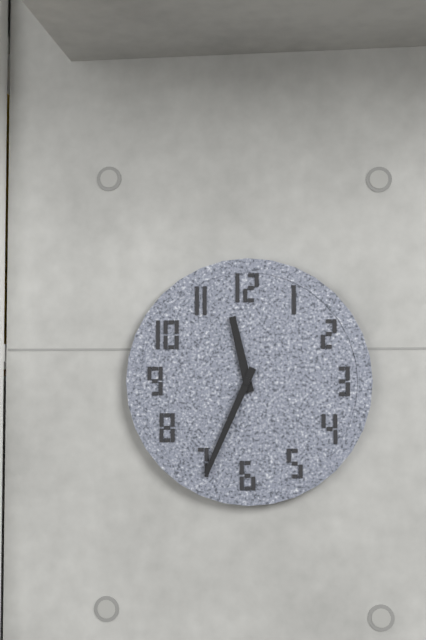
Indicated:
11:34
